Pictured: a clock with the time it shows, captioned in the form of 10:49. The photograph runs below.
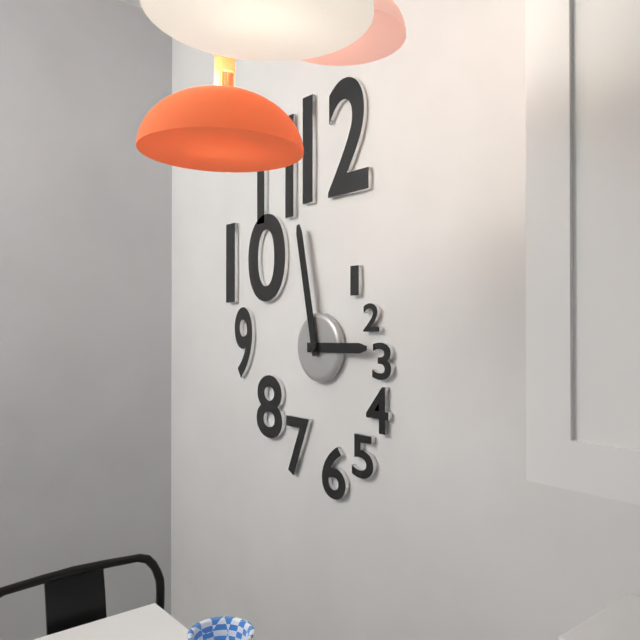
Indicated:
2:58
